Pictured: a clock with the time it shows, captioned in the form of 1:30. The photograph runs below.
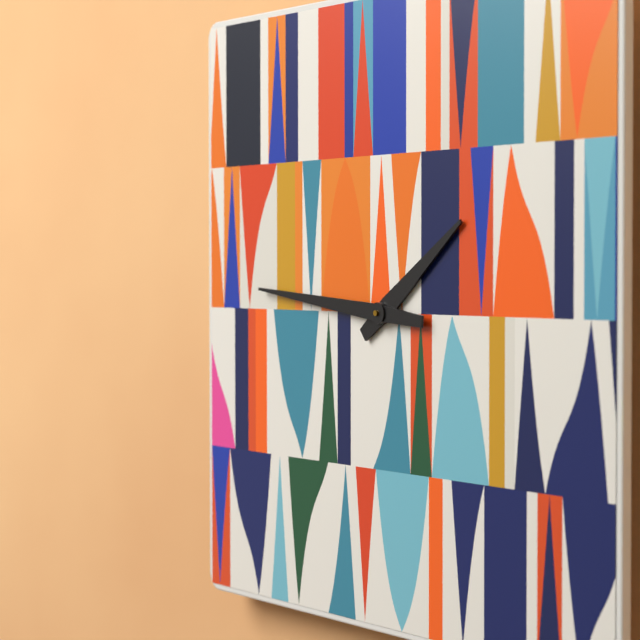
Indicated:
1:46
